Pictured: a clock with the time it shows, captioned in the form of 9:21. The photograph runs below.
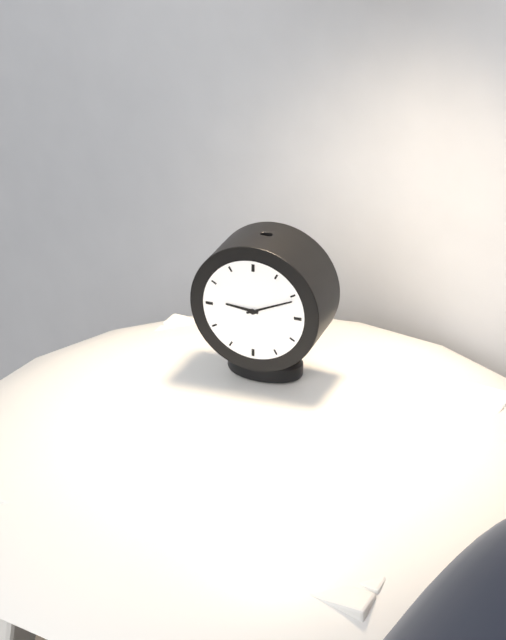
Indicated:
9:11
